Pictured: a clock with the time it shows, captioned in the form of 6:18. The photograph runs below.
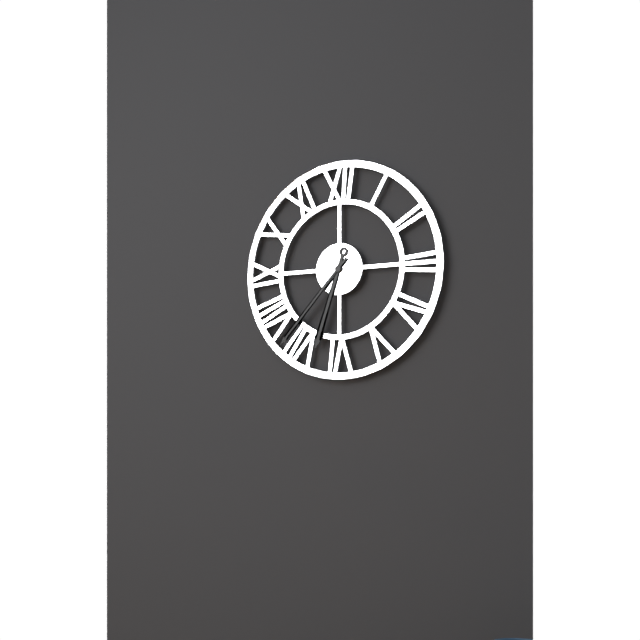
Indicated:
6:37
